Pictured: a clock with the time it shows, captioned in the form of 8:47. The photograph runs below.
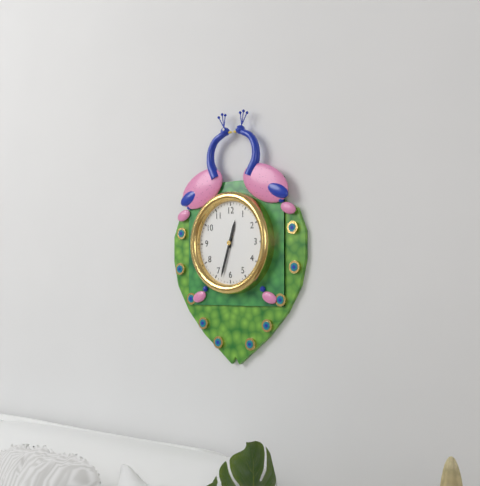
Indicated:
12:33
